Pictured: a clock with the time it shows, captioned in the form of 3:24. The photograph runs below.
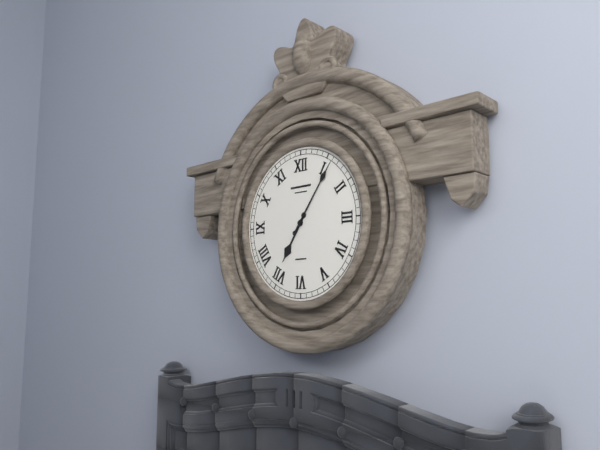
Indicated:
7:06
